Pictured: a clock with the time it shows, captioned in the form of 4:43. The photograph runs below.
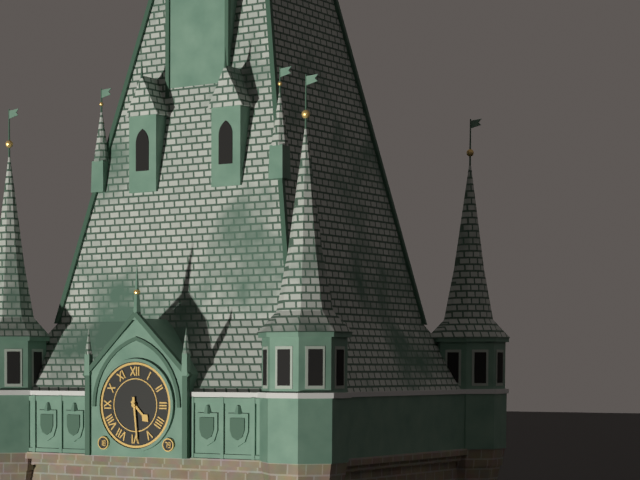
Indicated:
4:29
